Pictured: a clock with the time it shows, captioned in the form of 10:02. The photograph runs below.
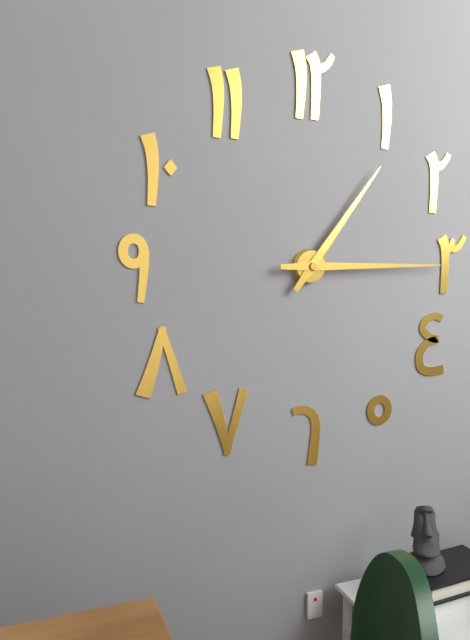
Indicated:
1:15
